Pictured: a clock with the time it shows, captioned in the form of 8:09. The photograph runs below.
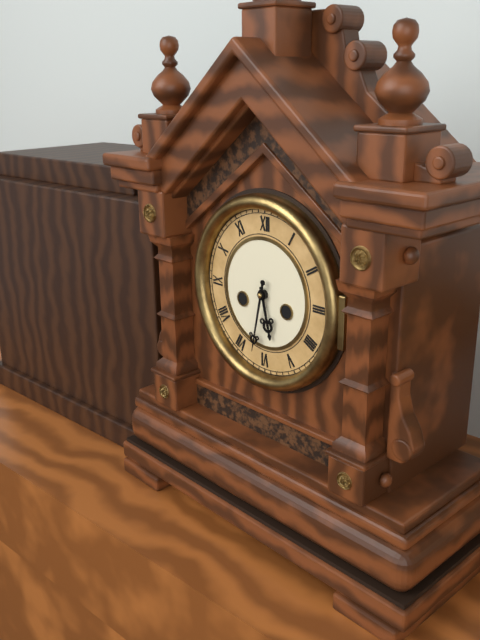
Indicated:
5:32
